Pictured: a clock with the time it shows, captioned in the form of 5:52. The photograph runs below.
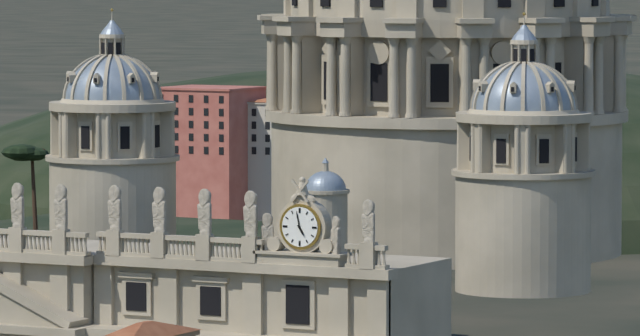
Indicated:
4:58
